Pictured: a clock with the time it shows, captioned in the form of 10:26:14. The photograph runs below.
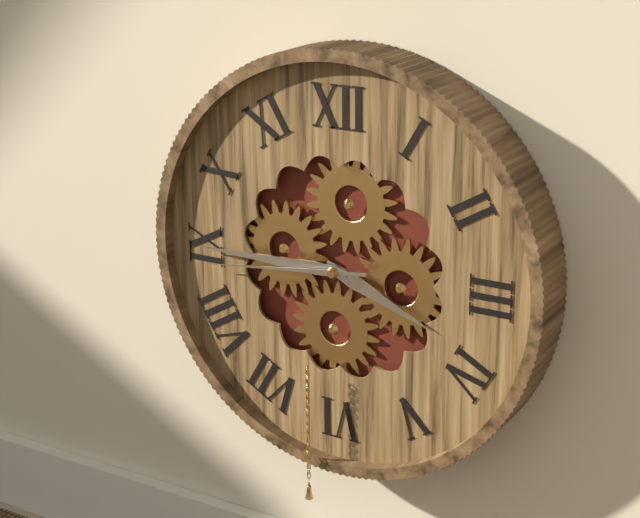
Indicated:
3:45:44
